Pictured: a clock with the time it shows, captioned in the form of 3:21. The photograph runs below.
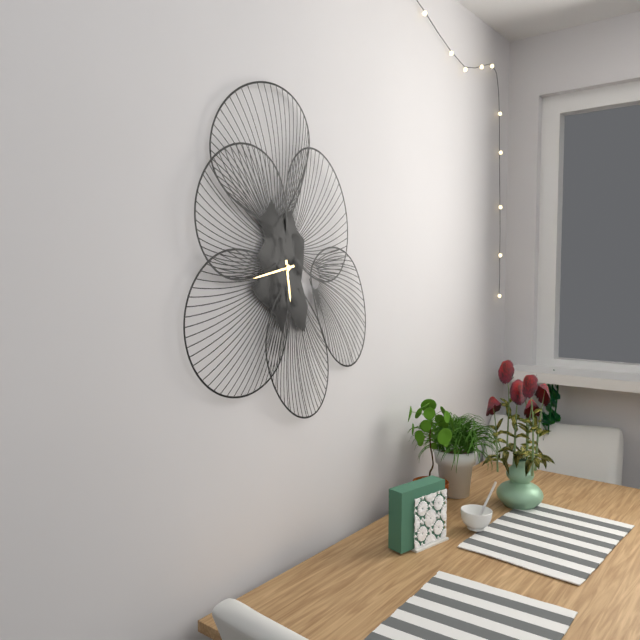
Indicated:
5:43
